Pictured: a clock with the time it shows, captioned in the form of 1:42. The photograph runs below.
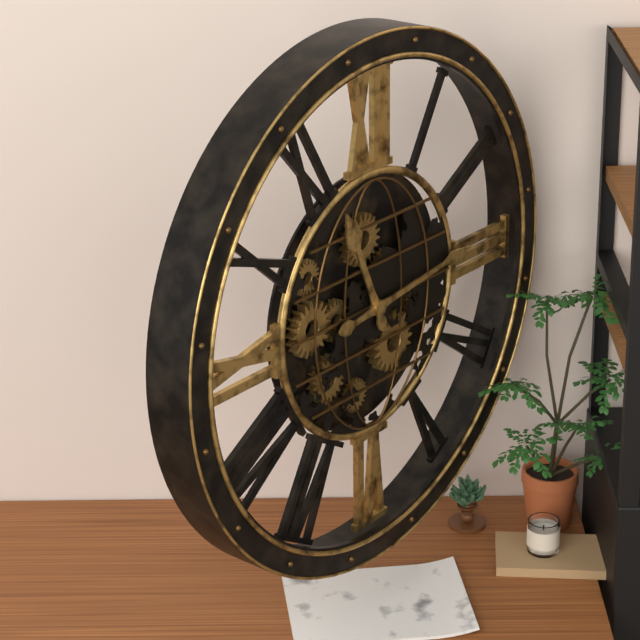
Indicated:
11:14
